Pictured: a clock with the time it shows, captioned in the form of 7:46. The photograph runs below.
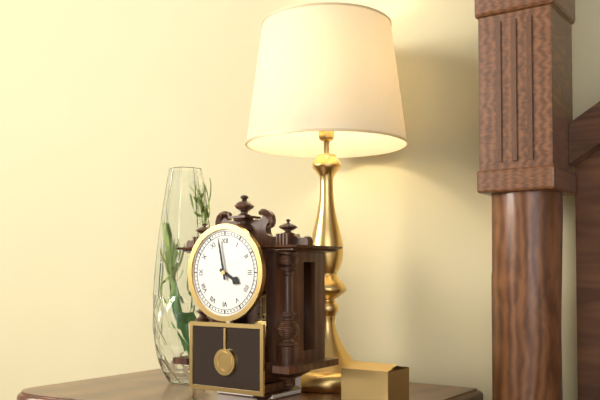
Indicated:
3:58
